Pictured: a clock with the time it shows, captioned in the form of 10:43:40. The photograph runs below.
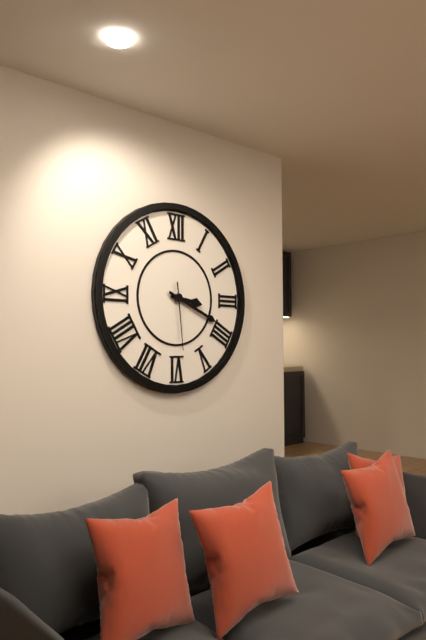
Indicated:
3:19:29
